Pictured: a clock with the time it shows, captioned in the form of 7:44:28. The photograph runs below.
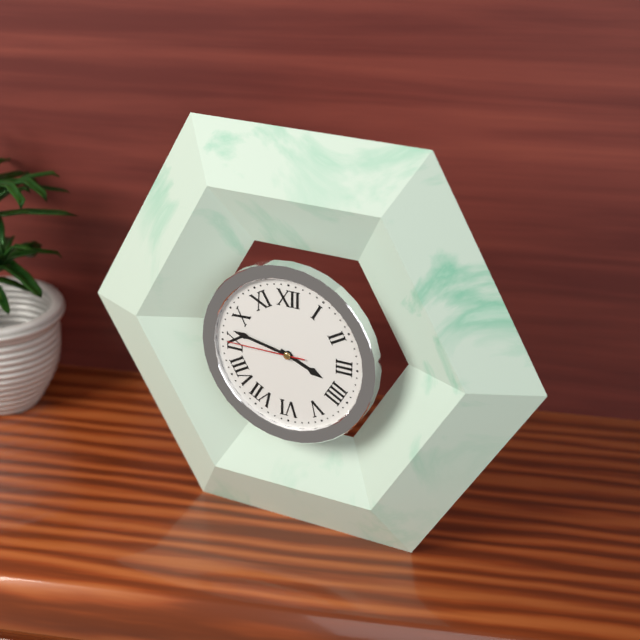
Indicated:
3:47:45
